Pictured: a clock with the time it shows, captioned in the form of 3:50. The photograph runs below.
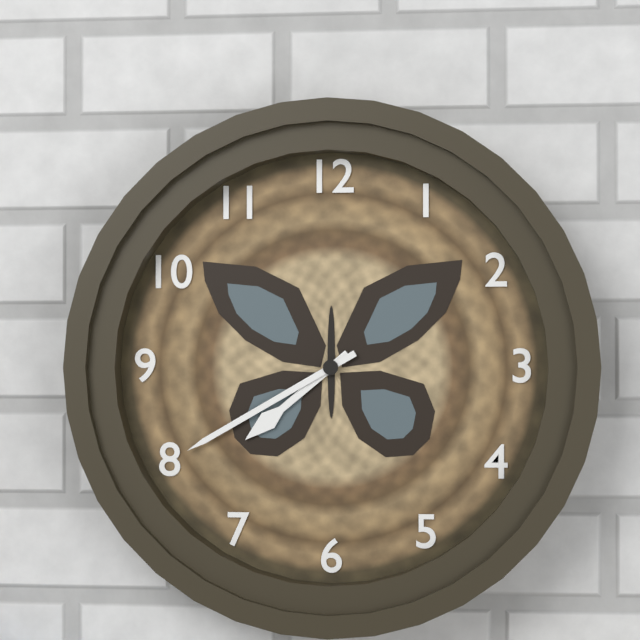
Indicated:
7:40
